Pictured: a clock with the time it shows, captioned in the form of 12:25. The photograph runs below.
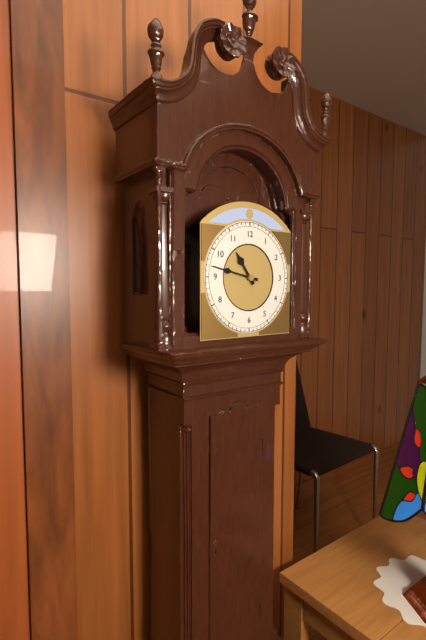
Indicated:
10:47
